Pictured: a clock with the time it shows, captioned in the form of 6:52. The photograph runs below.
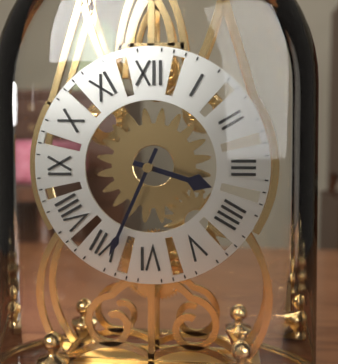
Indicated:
3:34
